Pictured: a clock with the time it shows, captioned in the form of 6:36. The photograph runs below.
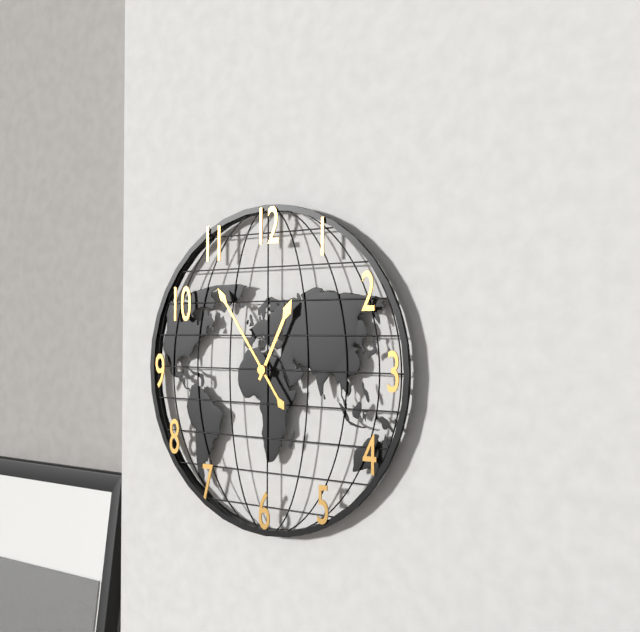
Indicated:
12:54
